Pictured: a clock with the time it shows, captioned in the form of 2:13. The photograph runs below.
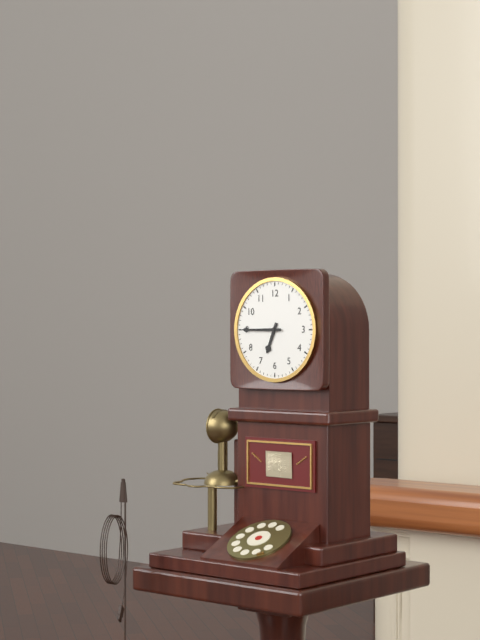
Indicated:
6:45
